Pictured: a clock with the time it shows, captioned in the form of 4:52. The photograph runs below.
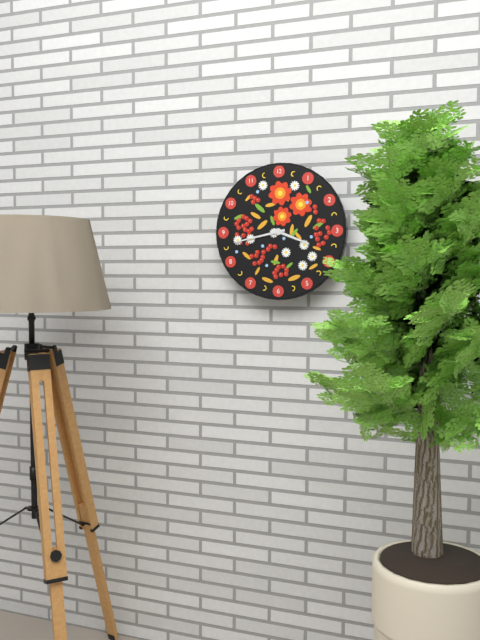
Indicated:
3:43
